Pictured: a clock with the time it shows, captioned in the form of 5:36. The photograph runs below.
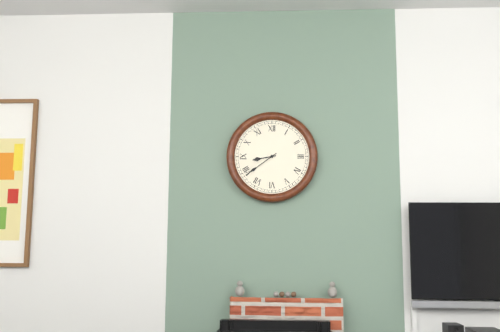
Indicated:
8:39
